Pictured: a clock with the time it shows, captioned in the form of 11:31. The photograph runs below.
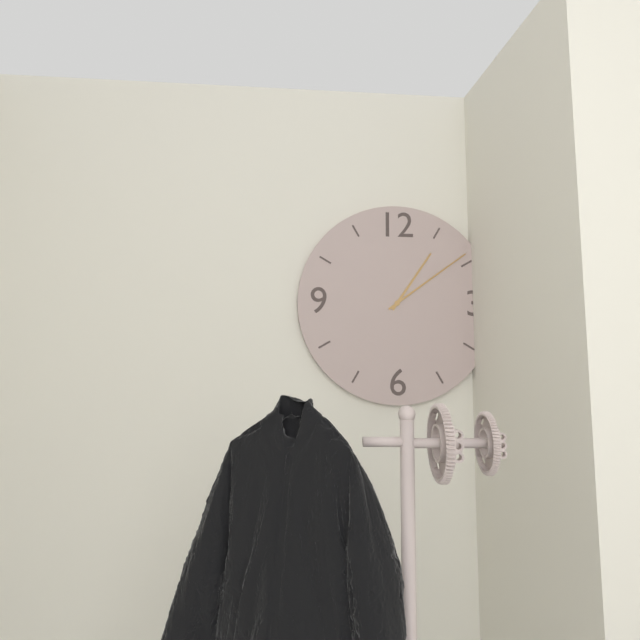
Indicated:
1:09
